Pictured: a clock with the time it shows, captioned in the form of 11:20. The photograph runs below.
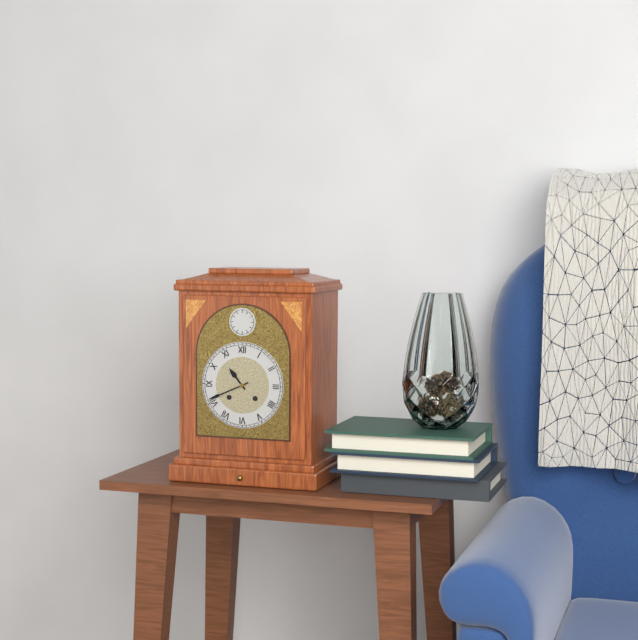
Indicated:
10:41
